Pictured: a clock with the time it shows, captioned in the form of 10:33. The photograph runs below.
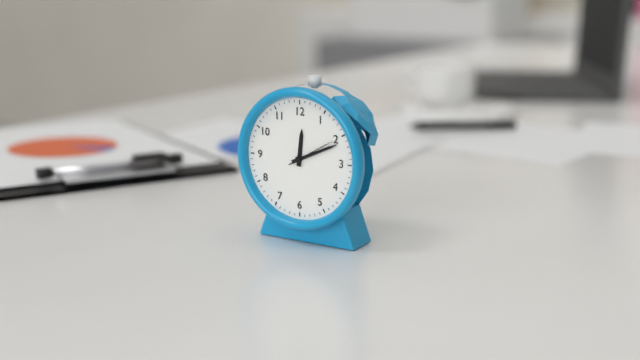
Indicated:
12:11
